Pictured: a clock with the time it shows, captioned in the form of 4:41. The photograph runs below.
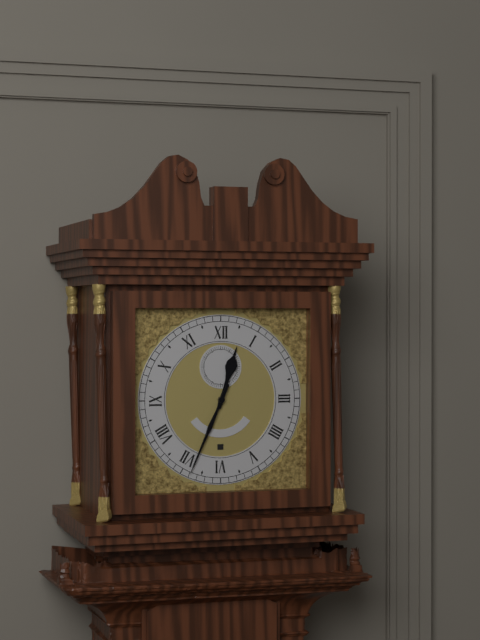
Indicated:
12:34
